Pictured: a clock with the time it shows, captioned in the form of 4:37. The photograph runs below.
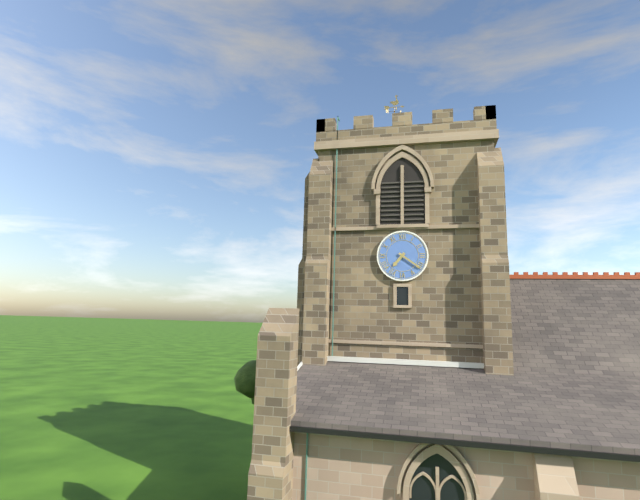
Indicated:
7:21
